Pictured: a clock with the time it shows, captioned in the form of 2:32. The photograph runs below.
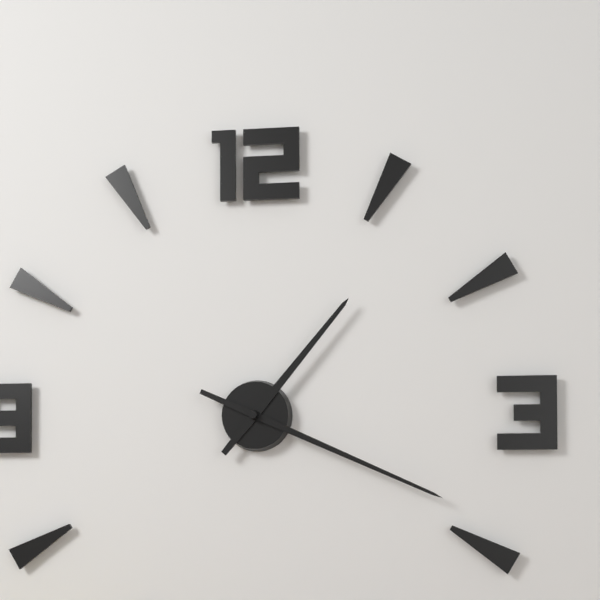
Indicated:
1:19
